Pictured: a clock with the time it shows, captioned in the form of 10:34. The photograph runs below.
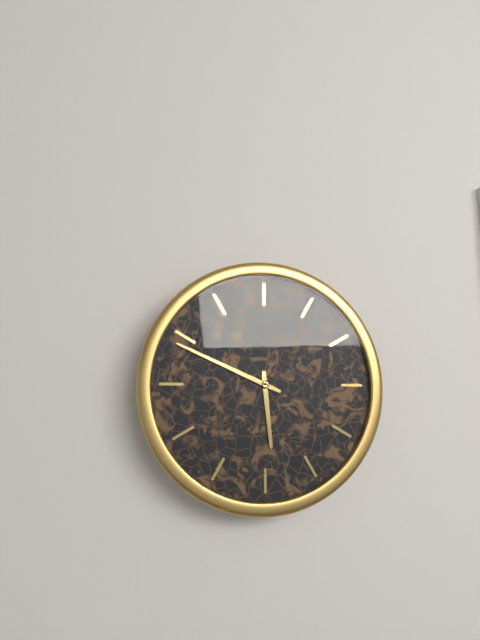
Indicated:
5:49
